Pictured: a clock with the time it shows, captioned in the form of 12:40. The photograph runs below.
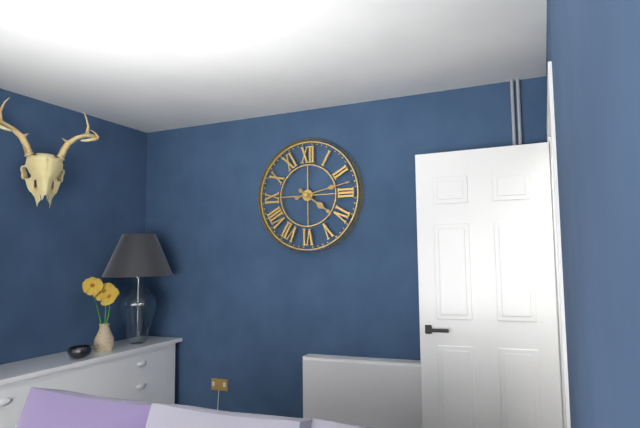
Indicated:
4:13
